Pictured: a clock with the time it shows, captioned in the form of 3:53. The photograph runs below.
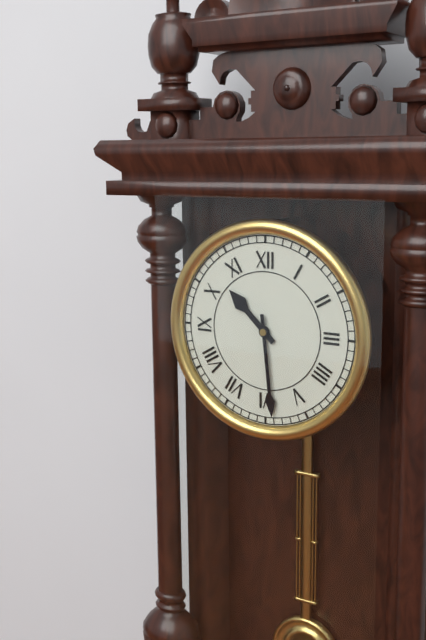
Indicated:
10:29
